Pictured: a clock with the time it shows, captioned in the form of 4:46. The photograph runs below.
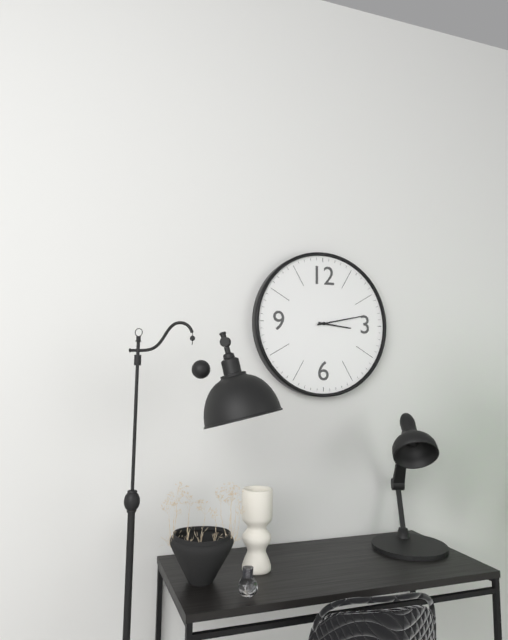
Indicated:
3:13
